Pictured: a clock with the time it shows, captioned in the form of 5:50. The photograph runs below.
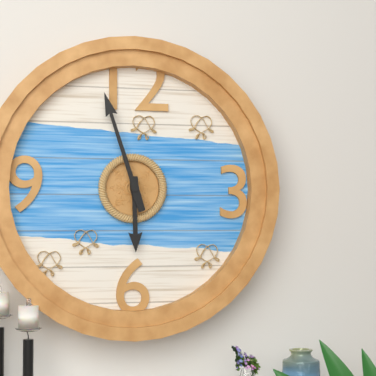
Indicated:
5:57
